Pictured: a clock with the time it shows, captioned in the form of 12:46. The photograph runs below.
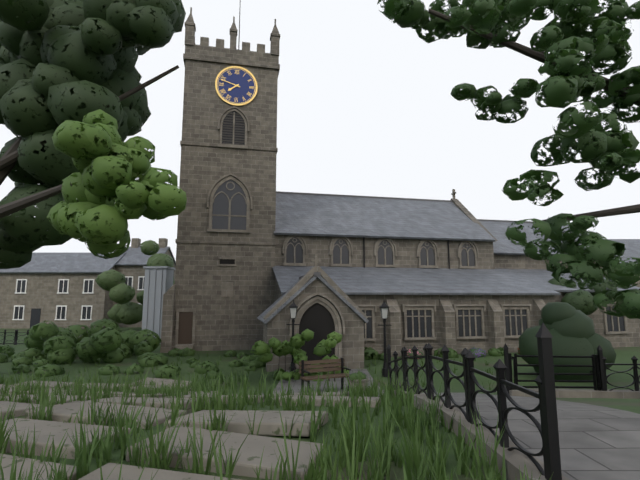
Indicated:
7:48
